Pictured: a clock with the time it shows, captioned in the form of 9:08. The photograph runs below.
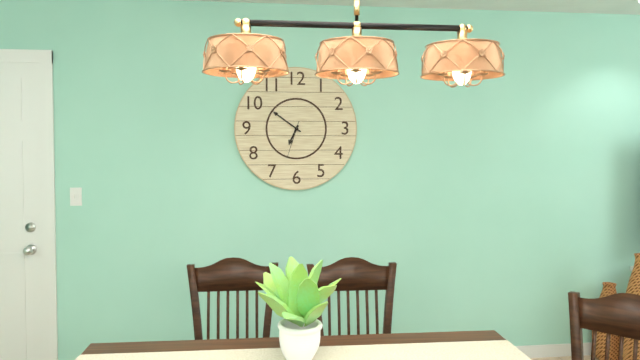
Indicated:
6:51
